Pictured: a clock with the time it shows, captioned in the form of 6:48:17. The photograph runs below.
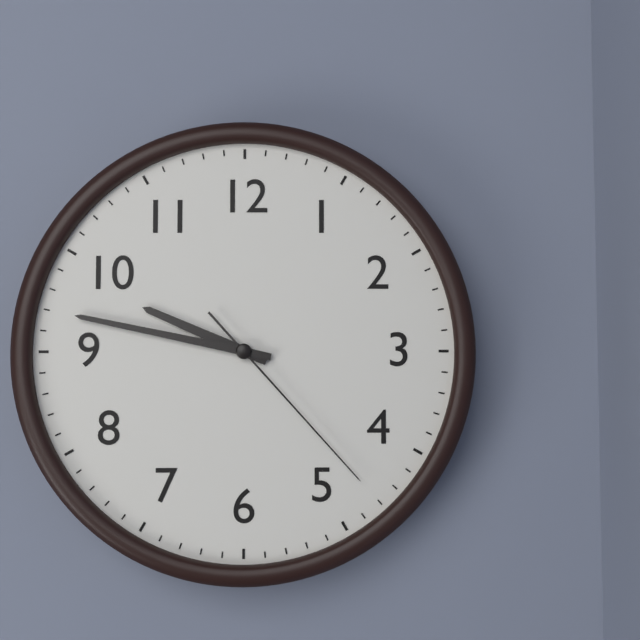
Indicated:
9:47:23
